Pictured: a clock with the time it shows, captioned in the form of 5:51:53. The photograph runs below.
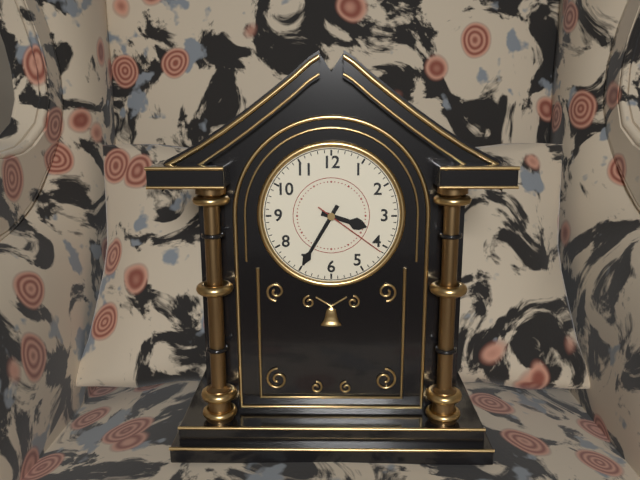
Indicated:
3:35:21
